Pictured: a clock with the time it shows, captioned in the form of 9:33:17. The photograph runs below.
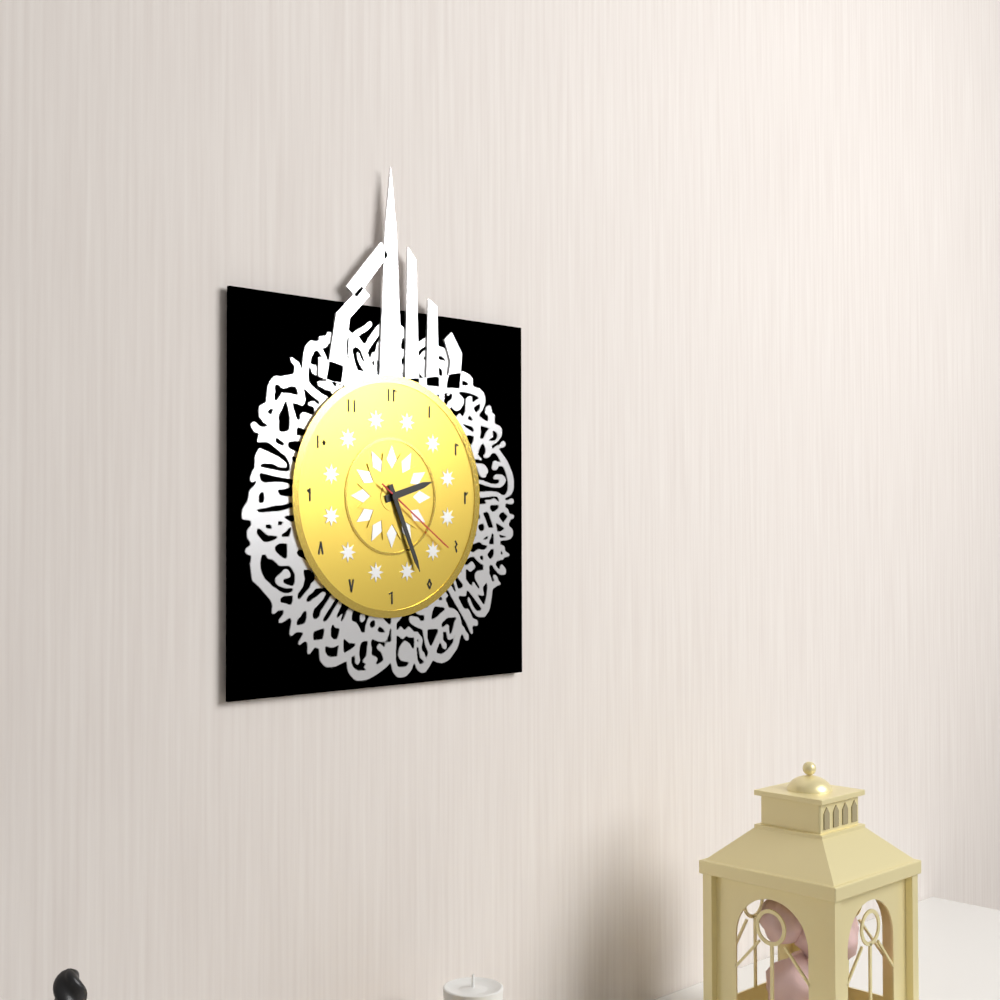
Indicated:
2:26:21
